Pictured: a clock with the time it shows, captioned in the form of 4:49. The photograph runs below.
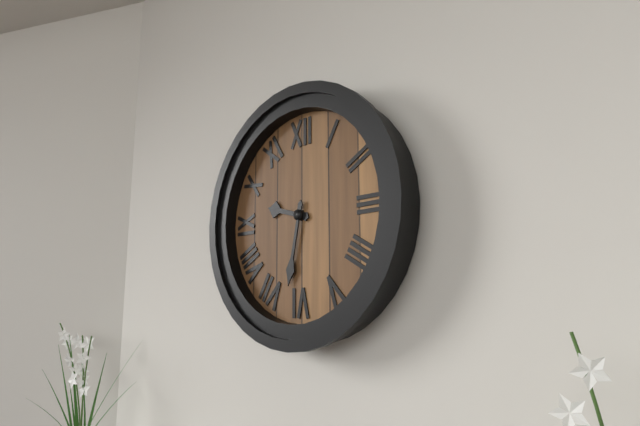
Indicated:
9:32
